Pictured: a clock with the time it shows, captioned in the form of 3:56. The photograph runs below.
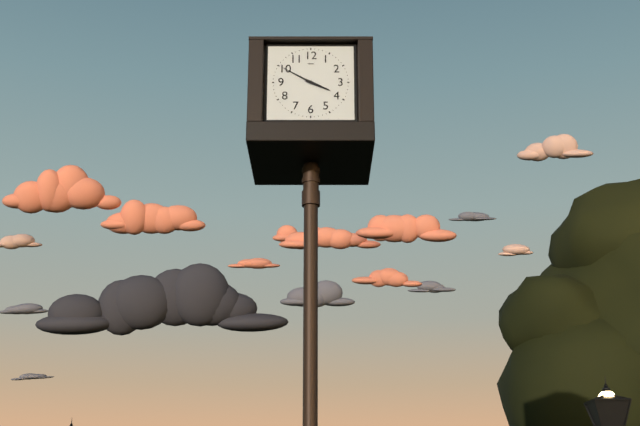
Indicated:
3:50
